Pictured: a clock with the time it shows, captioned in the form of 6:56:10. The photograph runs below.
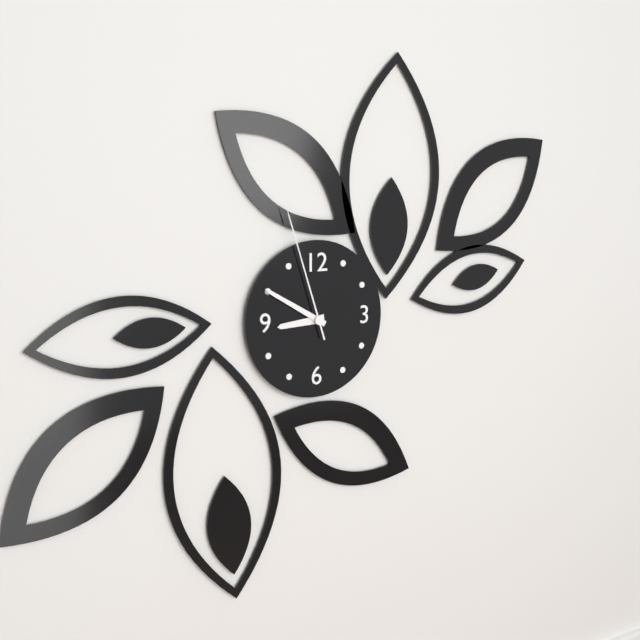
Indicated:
8:50:57
